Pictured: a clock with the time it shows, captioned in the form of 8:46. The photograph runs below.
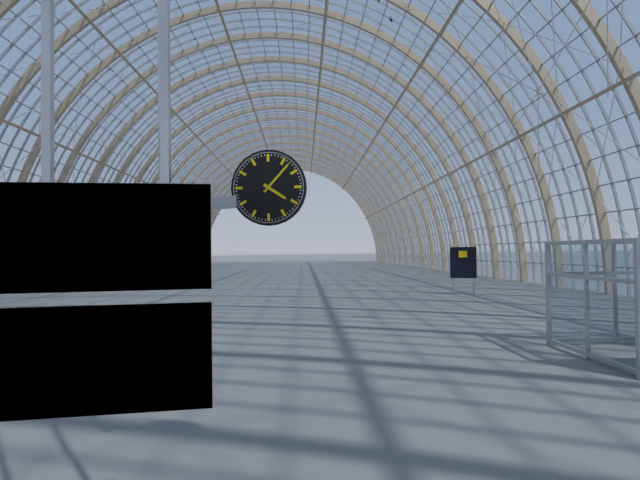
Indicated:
4:07
